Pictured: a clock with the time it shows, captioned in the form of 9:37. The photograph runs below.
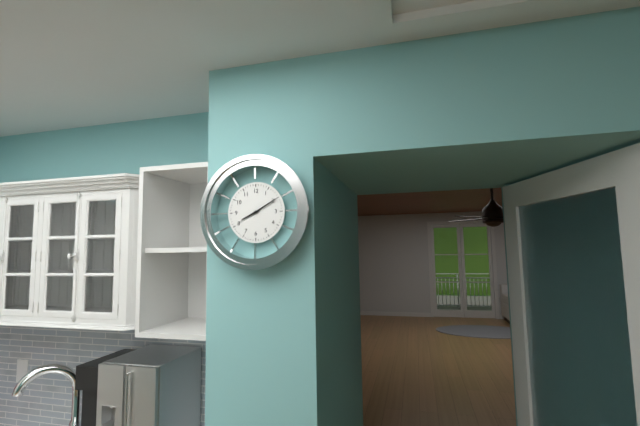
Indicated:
8:10
